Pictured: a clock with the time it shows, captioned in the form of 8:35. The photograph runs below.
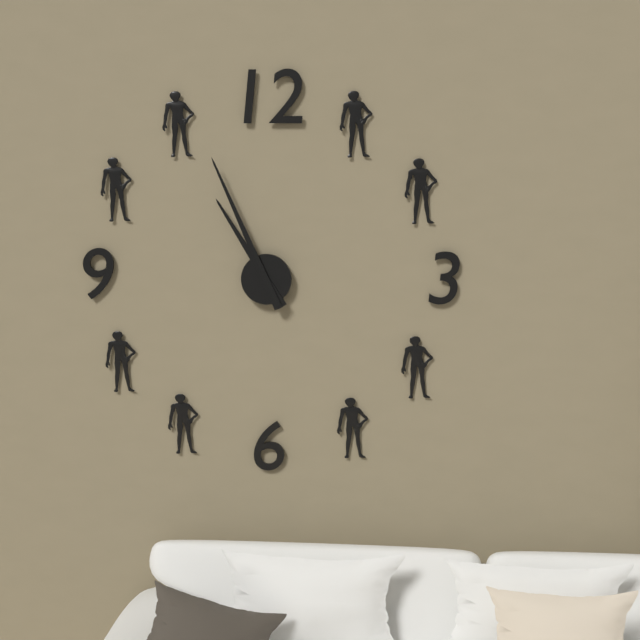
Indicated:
10:56
